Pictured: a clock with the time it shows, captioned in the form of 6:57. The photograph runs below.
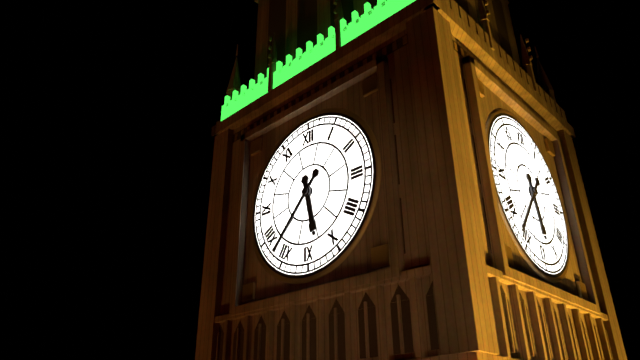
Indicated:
5:37
